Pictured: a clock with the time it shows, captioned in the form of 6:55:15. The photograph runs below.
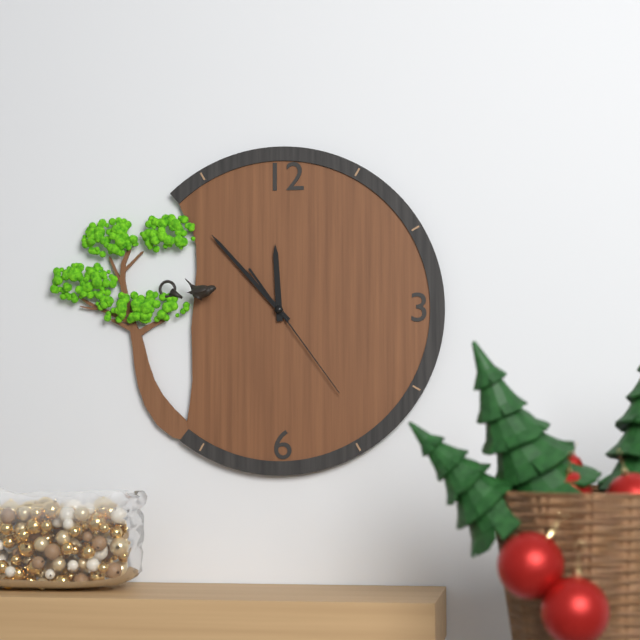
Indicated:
11:53:24
